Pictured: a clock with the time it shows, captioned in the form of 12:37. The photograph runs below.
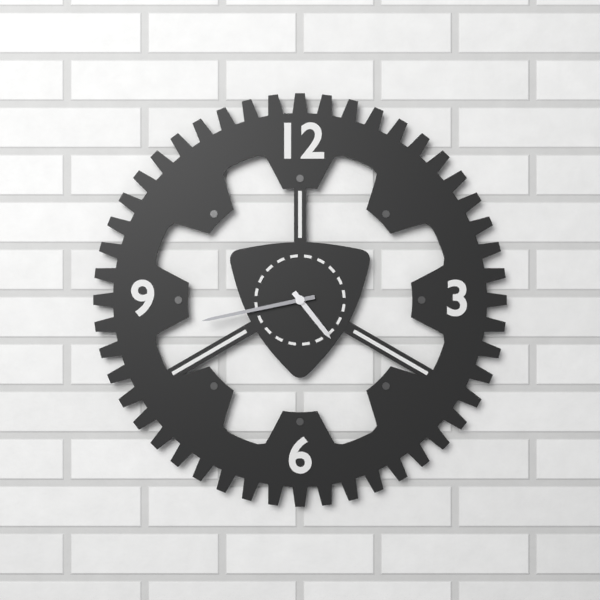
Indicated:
4:43
